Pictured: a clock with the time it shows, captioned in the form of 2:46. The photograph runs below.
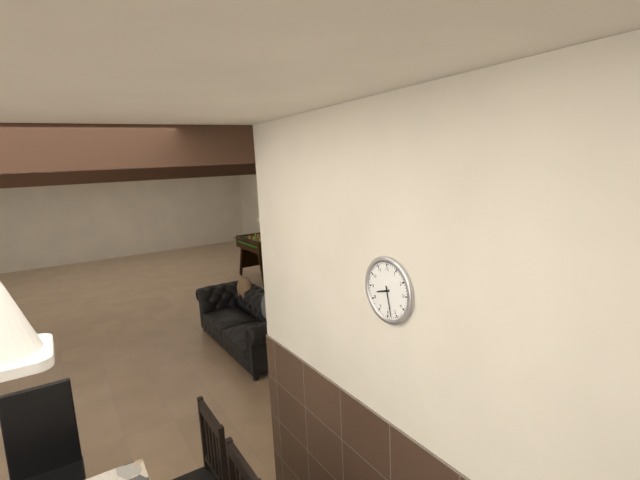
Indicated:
8:28
